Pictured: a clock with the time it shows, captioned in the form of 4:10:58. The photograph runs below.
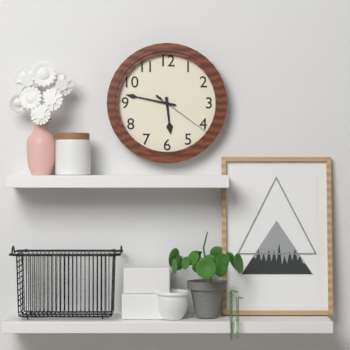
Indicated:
5:47:21
